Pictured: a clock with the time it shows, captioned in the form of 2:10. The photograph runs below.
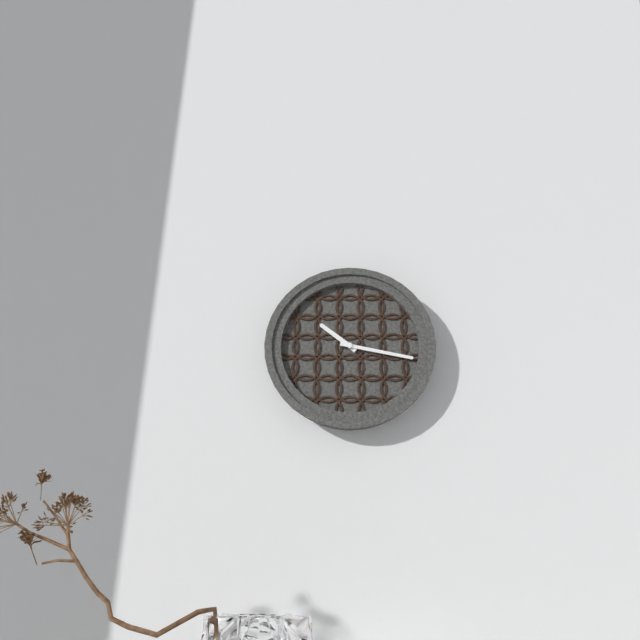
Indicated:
10:17
